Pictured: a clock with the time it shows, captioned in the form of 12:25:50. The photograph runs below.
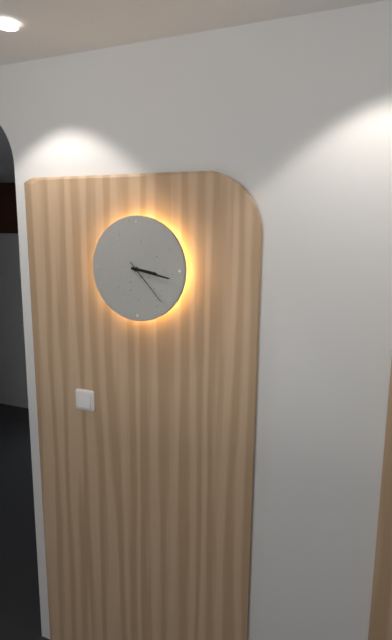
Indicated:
3:17:23
